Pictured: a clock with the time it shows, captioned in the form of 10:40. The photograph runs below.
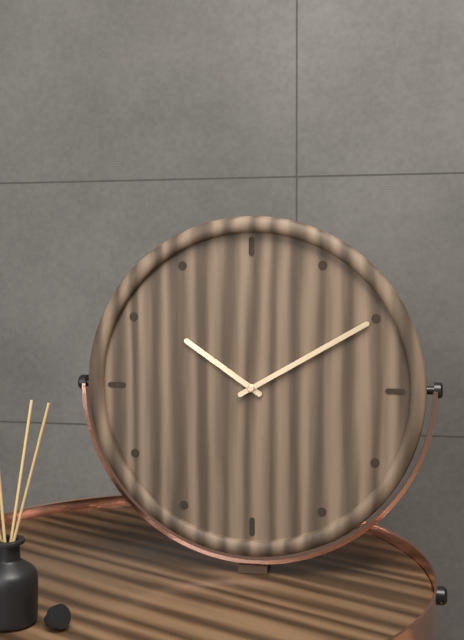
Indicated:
10:10
